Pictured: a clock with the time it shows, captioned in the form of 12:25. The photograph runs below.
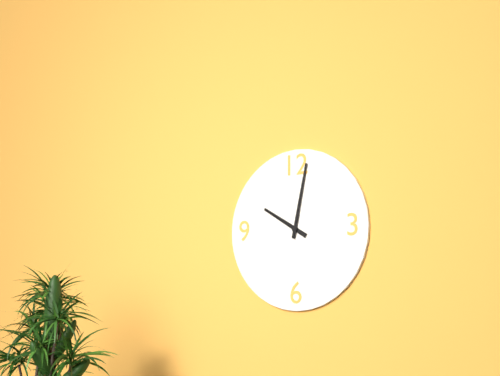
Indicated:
10:02
